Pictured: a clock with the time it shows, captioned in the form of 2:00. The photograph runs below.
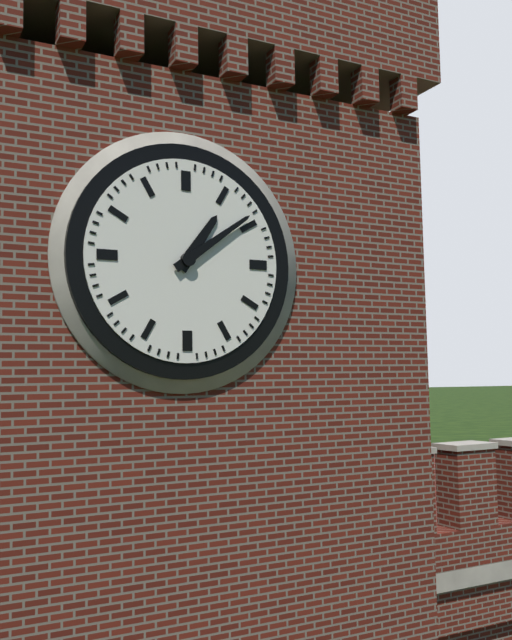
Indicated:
1:09
